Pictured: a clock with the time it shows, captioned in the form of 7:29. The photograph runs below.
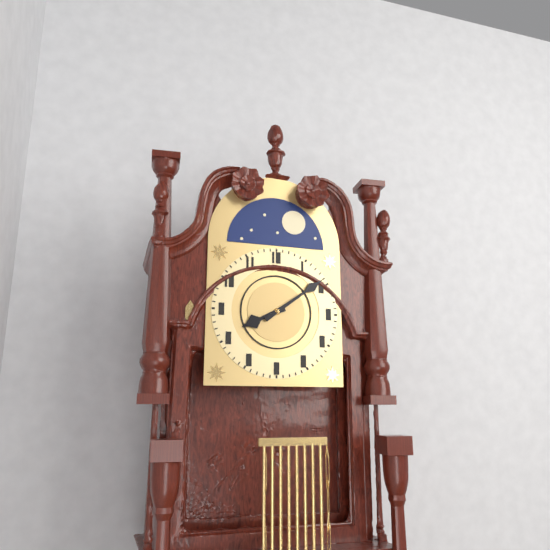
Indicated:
8:09
